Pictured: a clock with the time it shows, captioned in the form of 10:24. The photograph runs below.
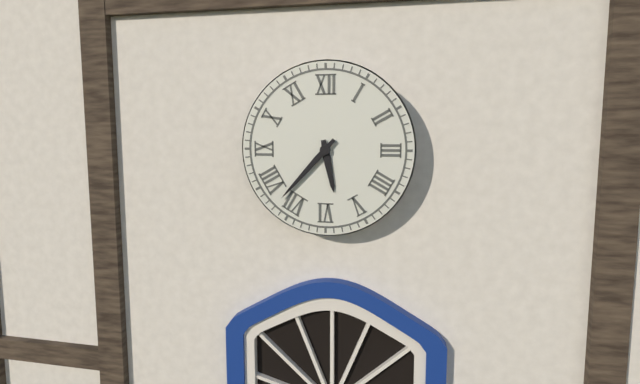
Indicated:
5:37
